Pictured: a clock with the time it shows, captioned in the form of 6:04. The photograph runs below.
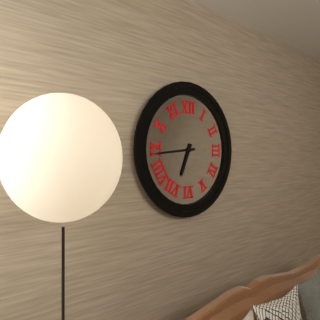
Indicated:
6:44
